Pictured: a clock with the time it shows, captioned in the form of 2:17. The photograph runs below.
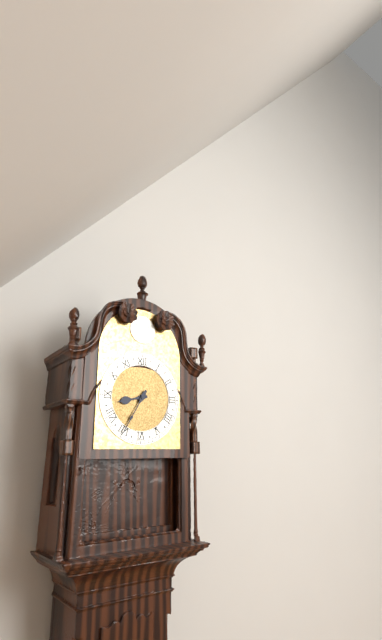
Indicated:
8:35
